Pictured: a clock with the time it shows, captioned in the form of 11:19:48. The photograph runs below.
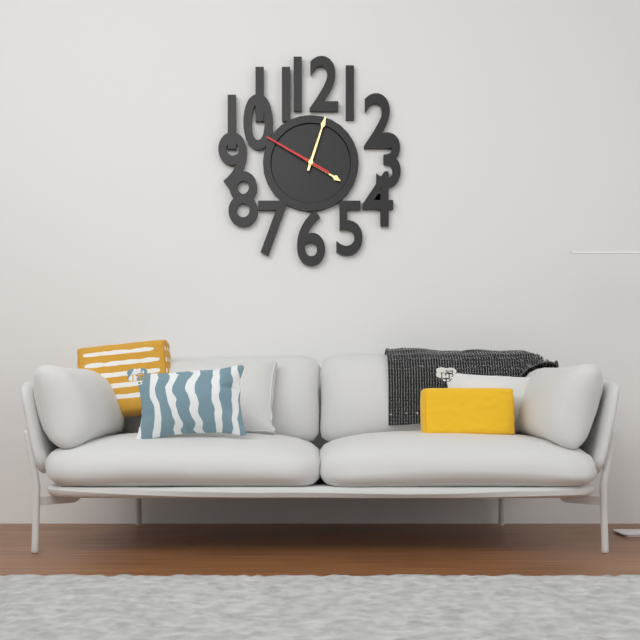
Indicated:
4:03:50
